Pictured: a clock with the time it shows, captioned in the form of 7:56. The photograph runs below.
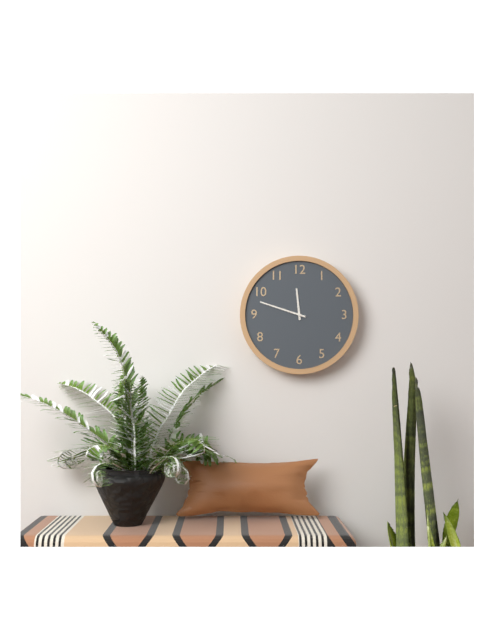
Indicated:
11:48
